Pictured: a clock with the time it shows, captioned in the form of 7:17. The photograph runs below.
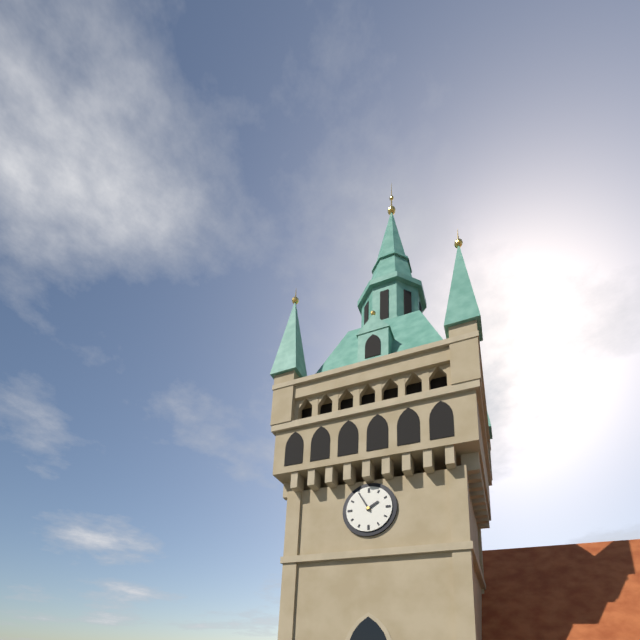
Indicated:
1:55
